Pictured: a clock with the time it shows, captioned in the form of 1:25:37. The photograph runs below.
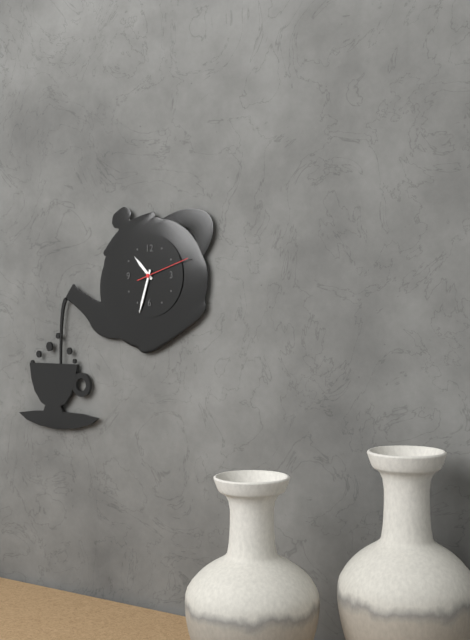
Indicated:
10:33:12
